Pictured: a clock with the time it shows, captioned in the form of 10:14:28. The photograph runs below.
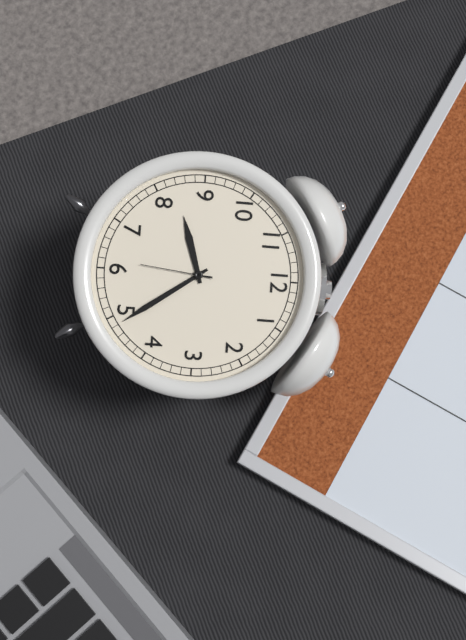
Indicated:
8:24:31
